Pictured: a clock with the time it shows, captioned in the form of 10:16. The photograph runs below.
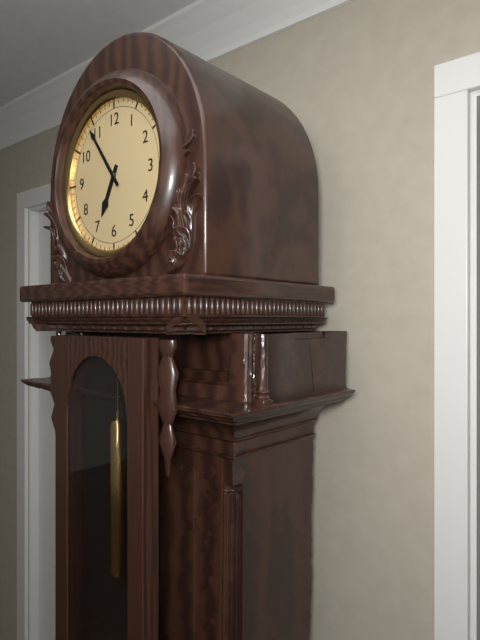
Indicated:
6:54
